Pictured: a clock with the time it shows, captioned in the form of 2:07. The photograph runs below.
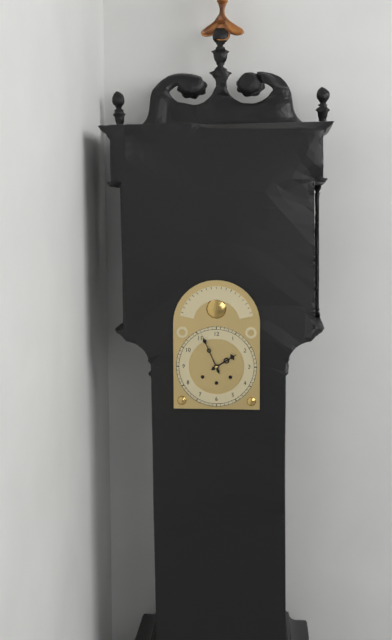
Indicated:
1:56
